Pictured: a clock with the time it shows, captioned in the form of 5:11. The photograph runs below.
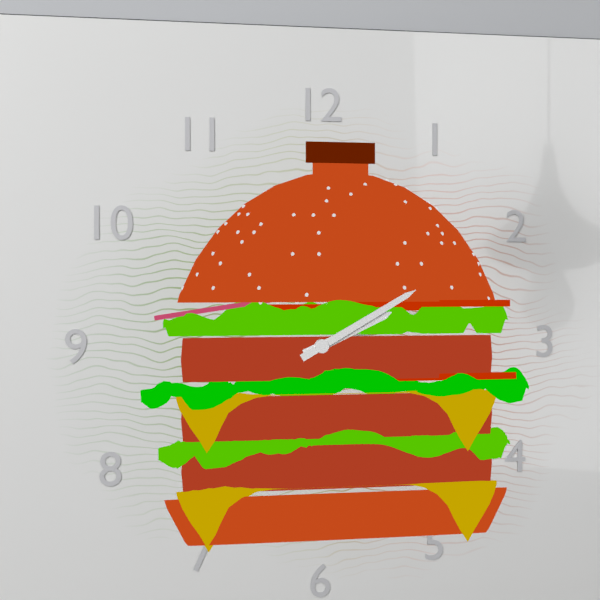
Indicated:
2:10
